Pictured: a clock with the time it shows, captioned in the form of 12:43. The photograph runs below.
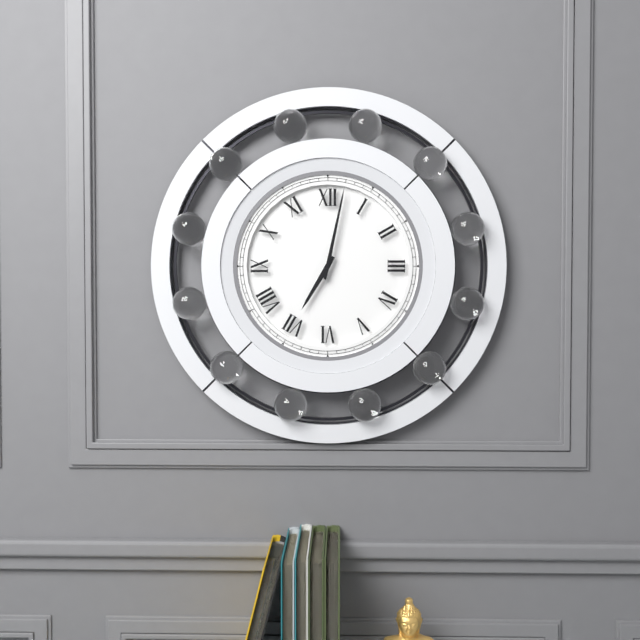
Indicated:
7:02
